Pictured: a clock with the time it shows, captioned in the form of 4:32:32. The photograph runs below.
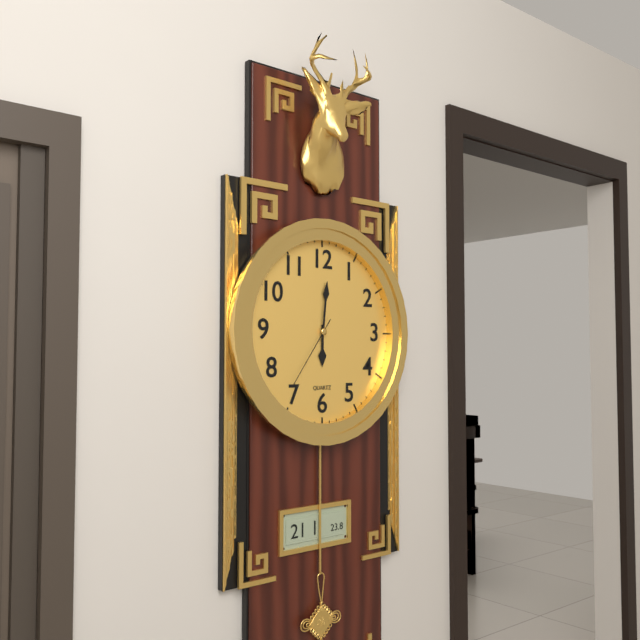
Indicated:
6:01:36
